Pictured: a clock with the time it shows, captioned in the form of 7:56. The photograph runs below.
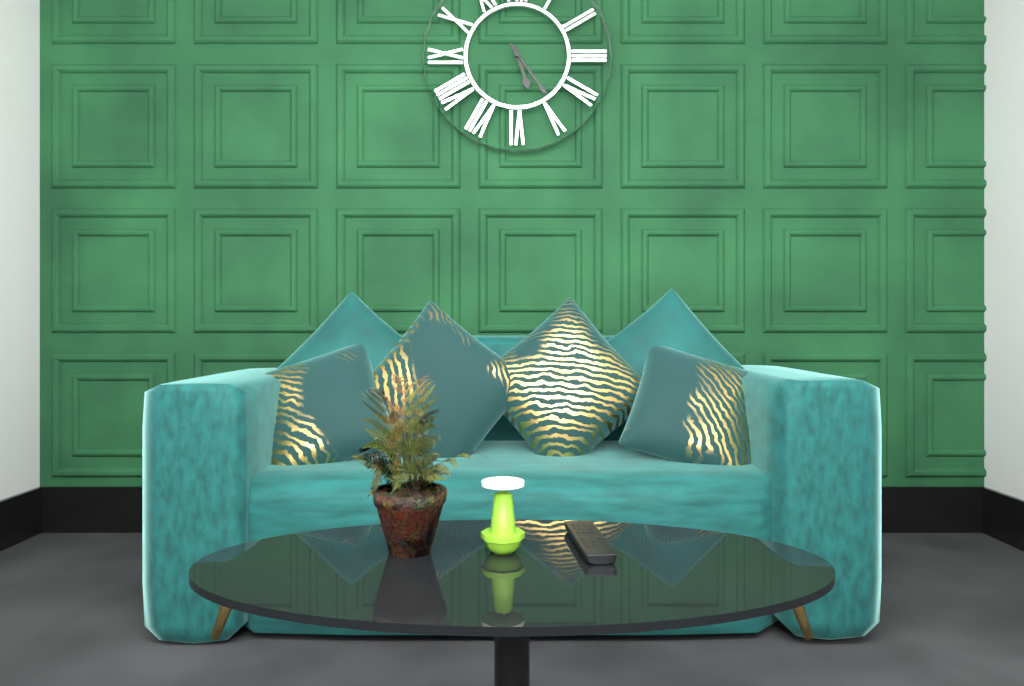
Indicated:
5:24
